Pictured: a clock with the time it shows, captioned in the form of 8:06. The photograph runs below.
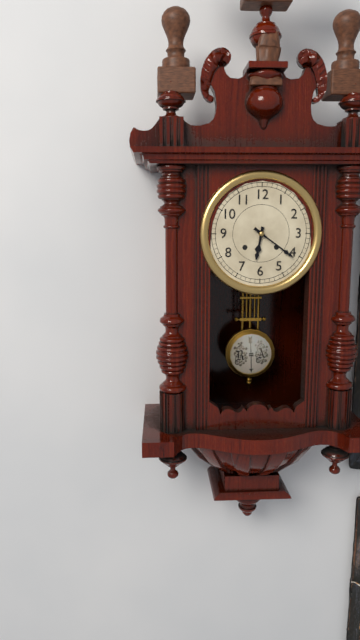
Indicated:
6:21
